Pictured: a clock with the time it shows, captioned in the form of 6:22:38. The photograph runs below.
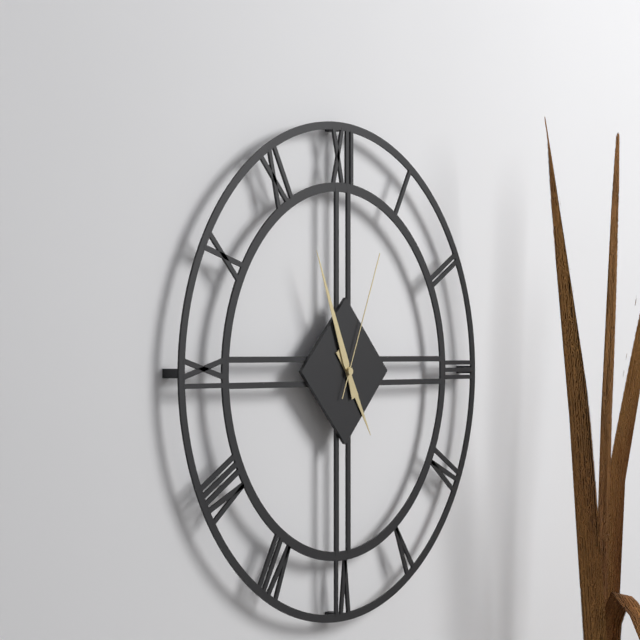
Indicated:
4:56:04
